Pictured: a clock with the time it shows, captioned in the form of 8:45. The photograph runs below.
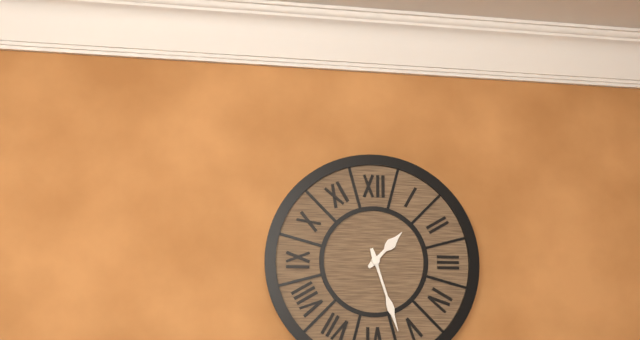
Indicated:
1:27
